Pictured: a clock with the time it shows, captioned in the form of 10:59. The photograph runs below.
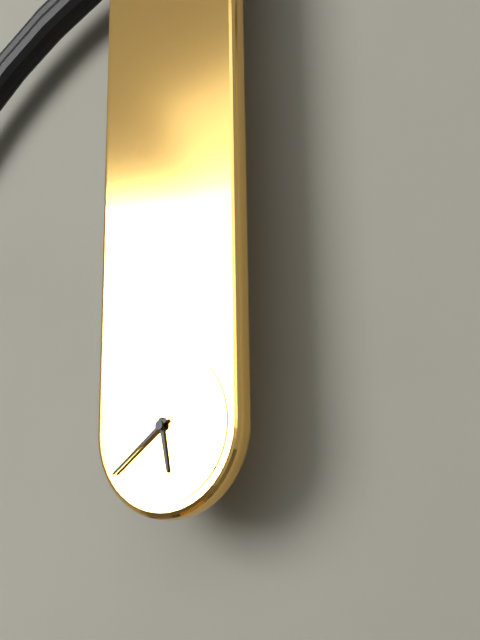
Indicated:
5:39
